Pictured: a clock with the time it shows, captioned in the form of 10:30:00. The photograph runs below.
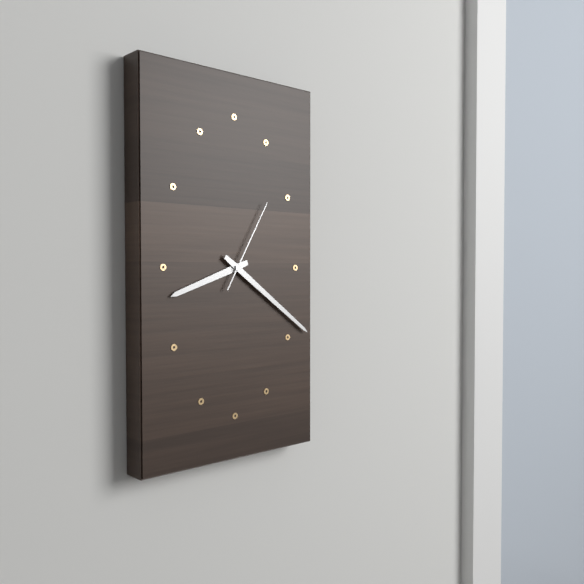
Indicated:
8:21:05
